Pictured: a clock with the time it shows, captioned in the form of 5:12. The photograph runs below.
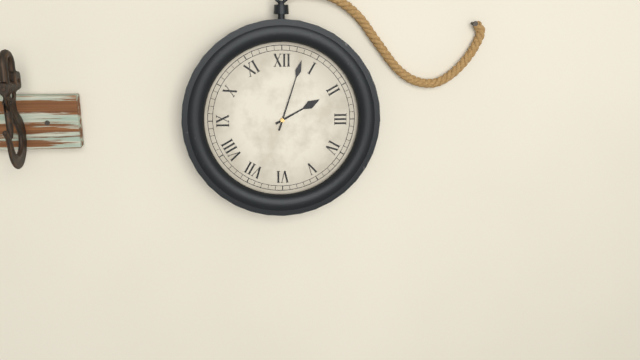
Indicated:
2:03
